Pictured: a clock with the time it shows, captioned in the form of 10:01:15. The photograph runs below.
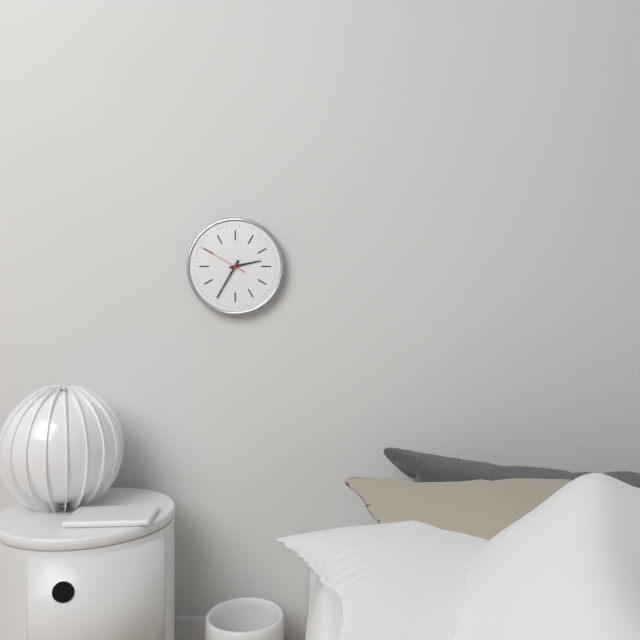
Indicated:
2:35:50
